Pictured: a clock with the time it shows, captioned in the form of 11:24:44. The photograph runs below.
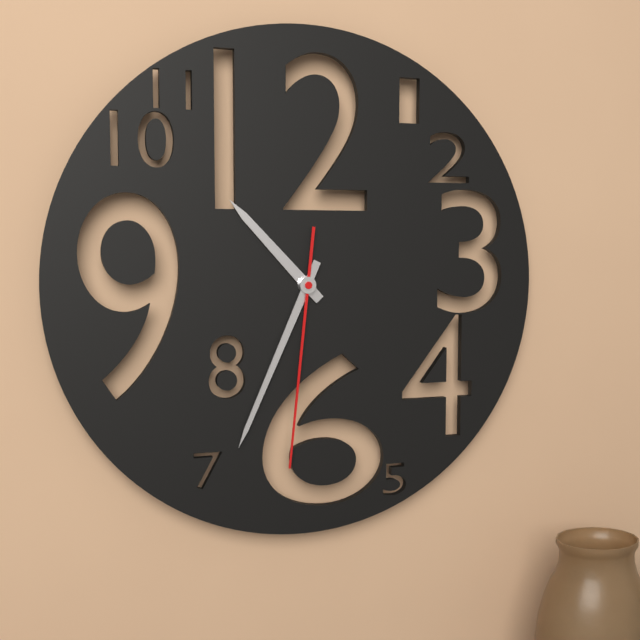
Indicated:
10:34:31
